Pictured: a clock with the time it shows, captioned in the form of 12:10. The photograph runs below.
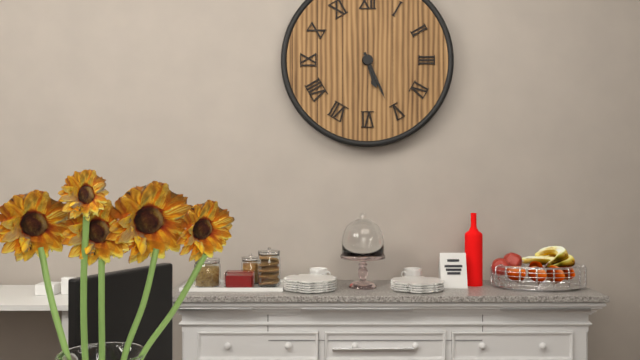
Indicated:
5:26
